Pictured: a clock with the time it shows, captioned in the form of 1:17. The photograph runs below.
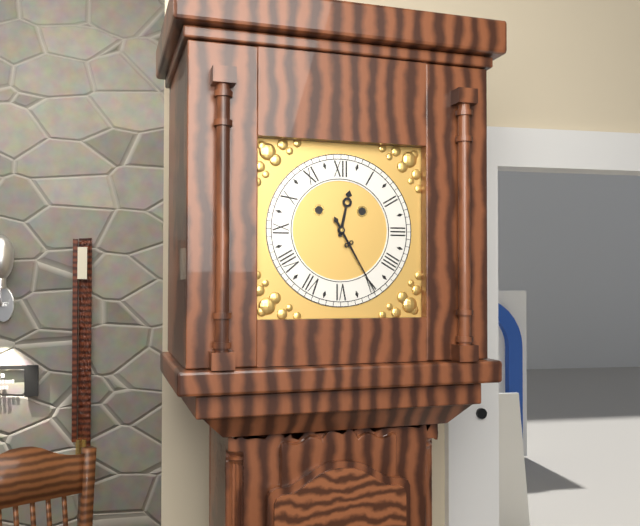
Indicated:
12:25
